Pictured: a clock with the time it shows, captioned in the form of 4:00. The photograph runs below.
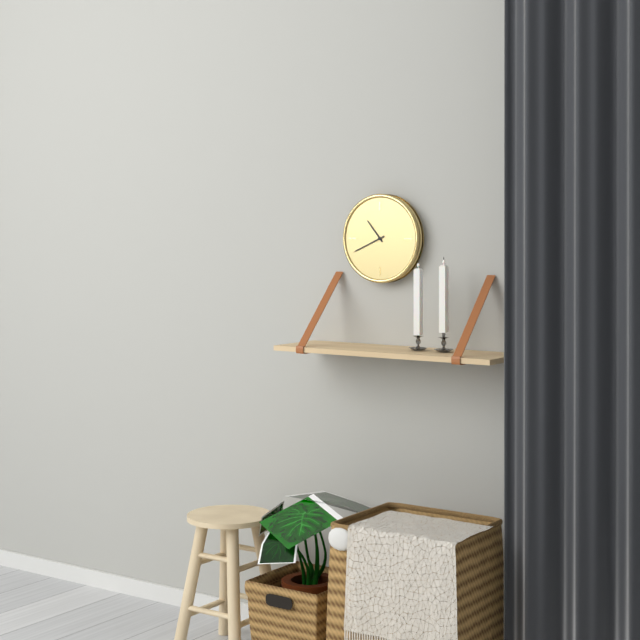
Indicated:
10:41
